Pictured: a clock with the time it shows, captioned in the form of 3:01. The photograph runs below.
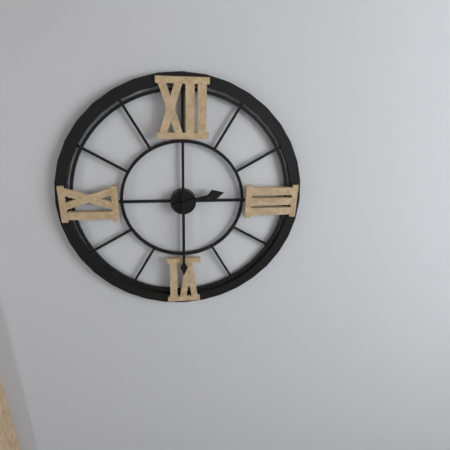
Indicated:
2:30
